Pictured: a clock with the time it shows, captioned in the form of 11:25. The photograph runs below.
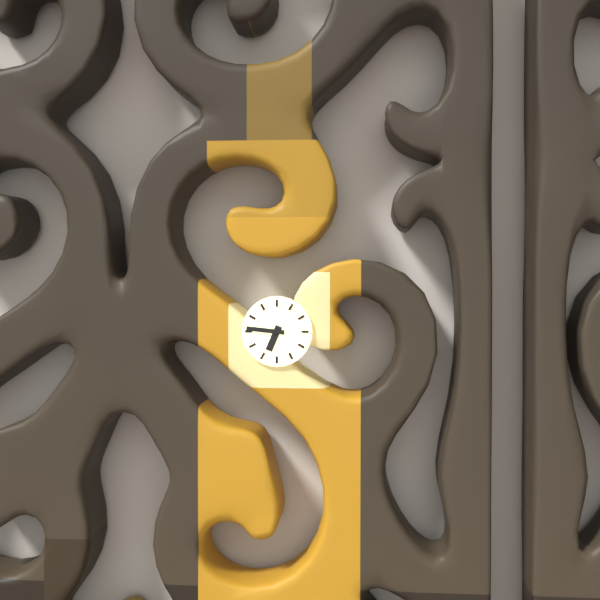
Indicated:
6:46
